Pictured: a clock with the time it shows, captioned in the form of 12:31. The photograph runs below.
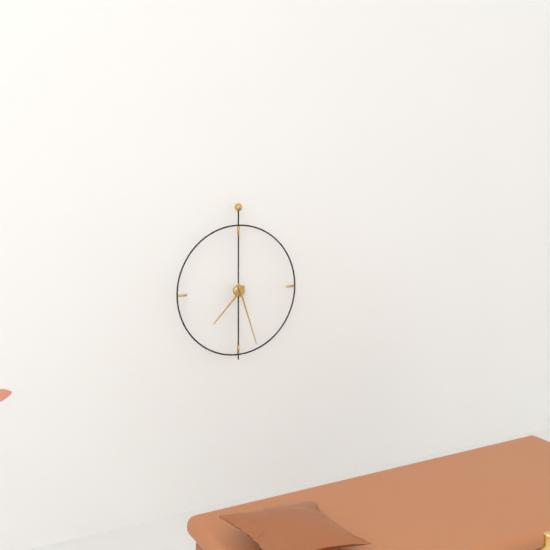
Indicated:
7:27
